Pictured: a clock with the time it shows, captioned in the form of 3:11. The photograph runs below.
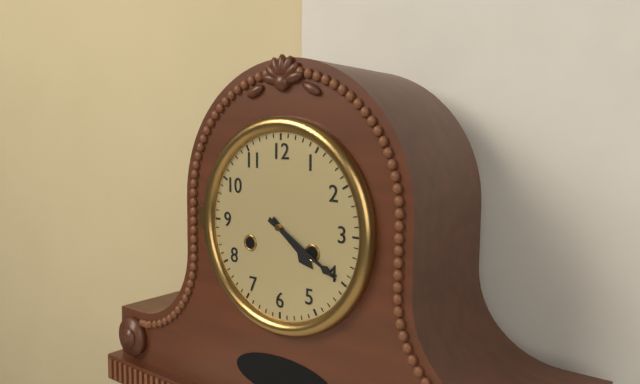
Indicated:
4:20
